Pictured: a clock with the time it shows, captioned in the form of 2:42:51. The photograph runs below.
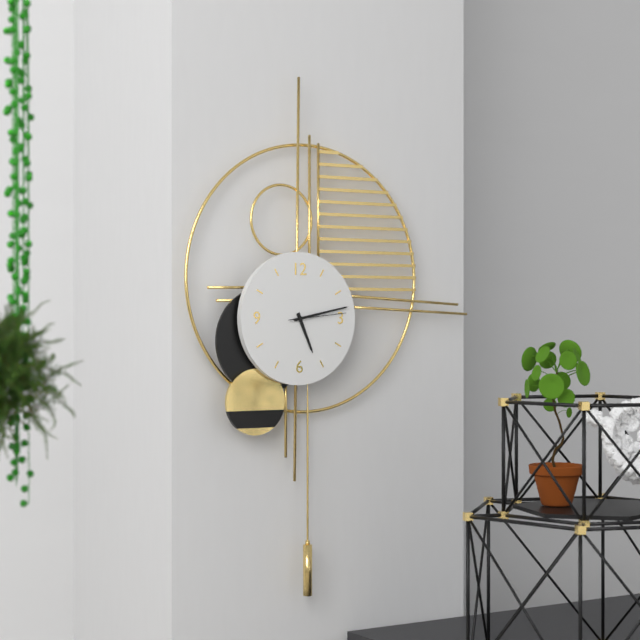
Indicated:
5:13:14
